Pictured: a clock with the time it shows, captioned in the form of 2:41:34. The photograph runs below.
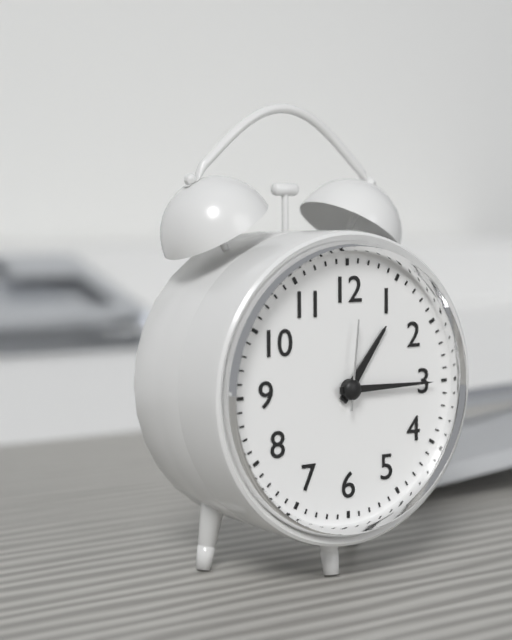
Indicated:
1:15:01
